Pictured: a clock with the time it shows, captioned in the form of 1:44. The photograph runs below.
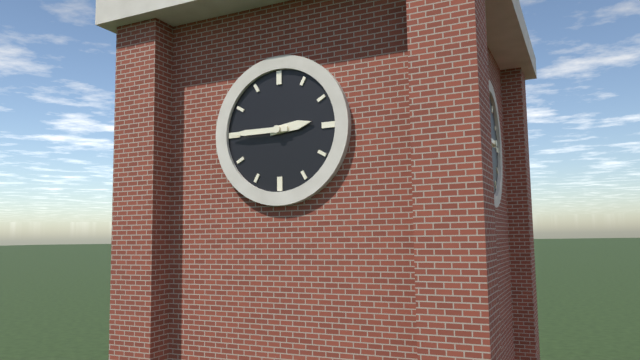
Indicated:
2:45
